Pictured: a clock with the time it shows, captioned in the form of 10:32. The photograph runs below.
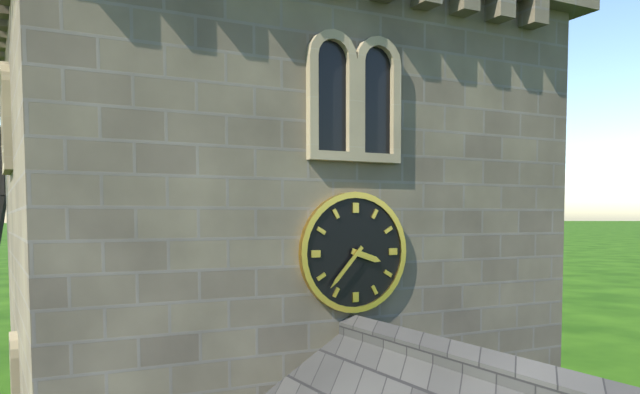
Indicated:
3:37
